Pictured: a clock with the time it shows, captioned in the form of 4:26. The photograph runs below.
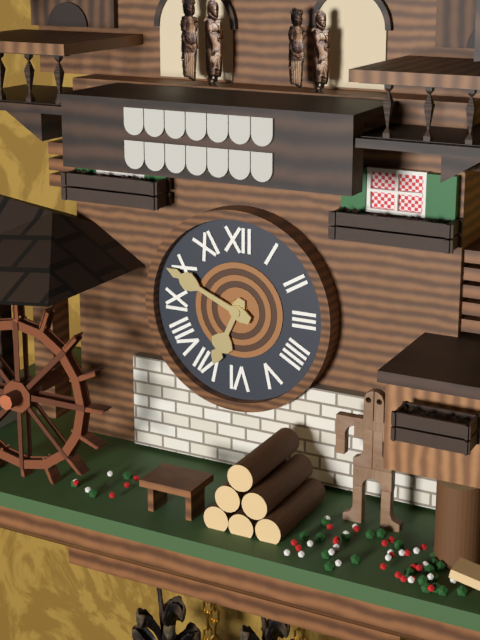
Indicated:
6:49
